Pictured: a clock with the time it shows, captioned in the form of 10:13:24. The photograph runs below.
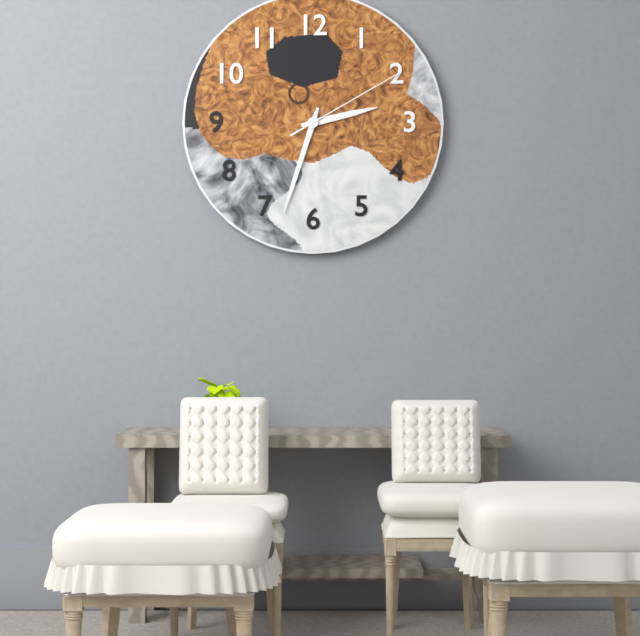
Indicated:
2:33:10
